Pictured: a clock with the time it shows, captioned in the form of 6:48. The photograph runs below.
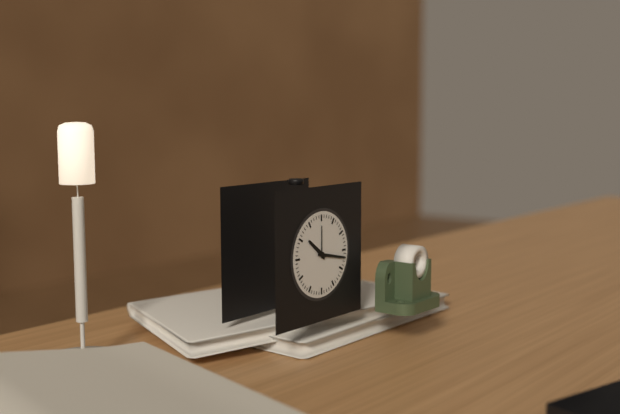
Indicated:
10:17
